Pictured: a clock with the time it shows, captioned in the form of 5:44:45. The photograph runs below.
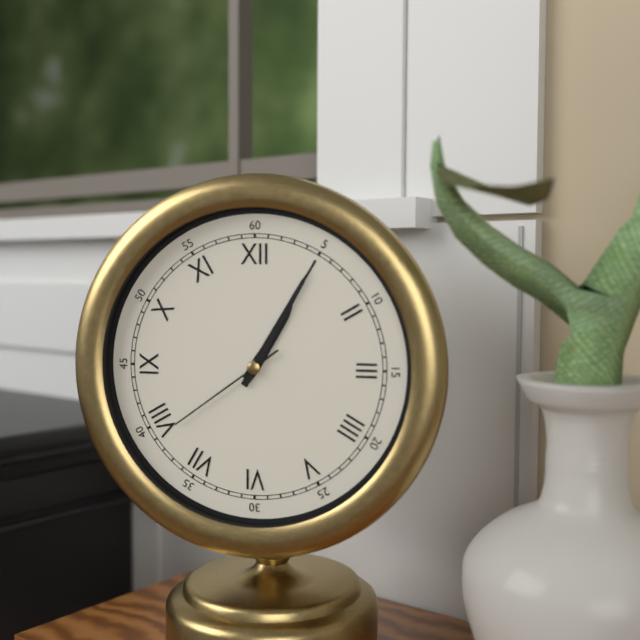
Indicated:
1:05:39
